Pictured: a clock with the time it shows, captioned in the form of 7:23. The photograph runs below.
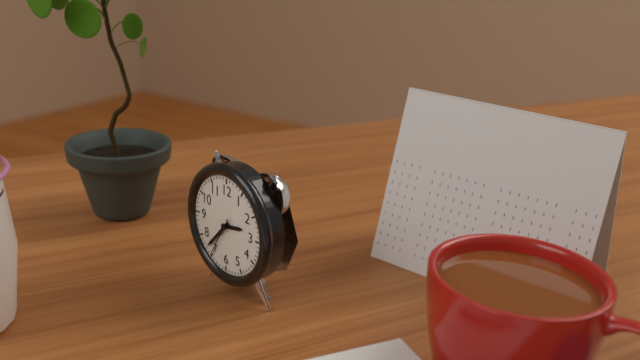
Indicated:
2:37
